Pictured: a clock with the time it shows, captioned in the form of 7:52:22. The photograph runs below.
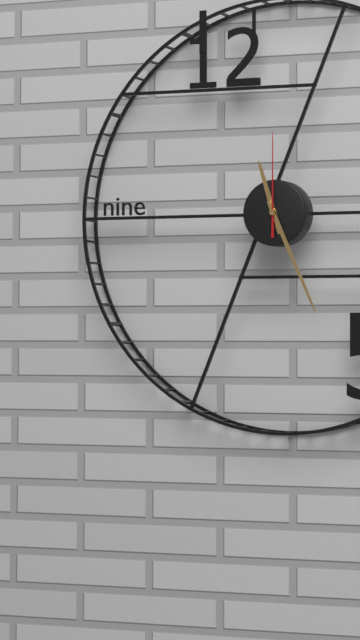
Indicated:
11:26:00
